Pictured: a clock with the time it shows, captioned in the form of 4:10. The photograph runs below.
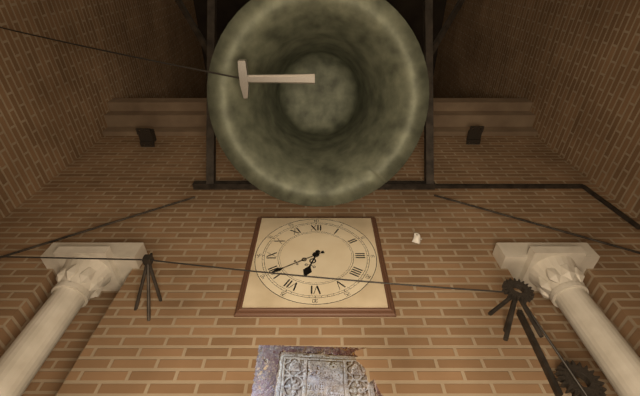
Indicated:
6:40
